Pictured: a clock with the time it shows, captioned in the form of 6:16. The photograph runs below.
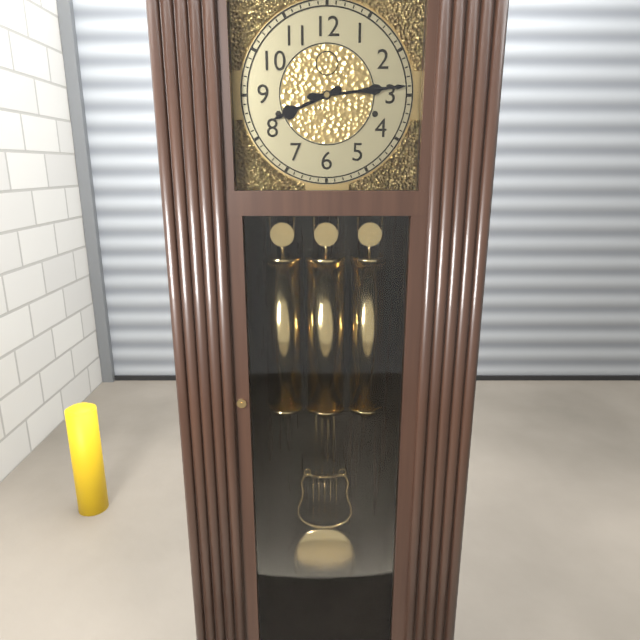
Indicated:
8:14
